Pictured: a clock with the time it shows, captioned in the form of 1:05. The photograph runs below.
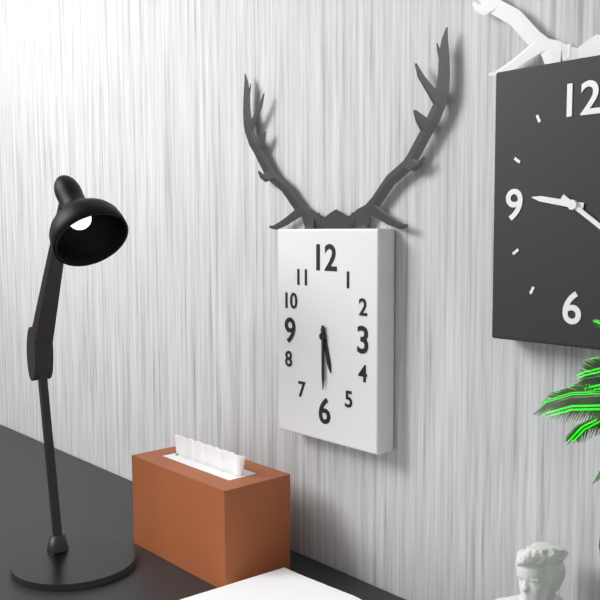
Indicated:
5:30
